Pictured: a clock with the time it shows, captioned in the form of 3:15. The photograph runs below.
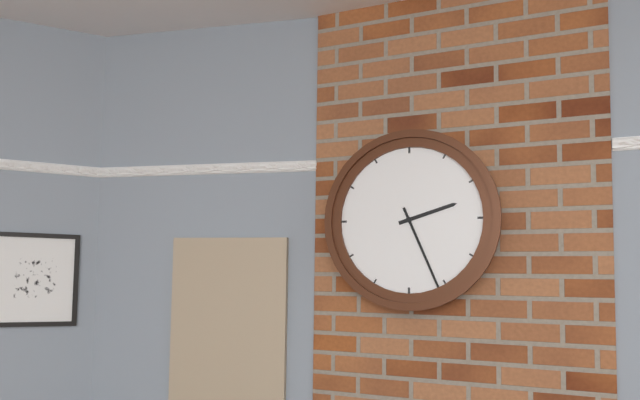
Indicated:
2:26
